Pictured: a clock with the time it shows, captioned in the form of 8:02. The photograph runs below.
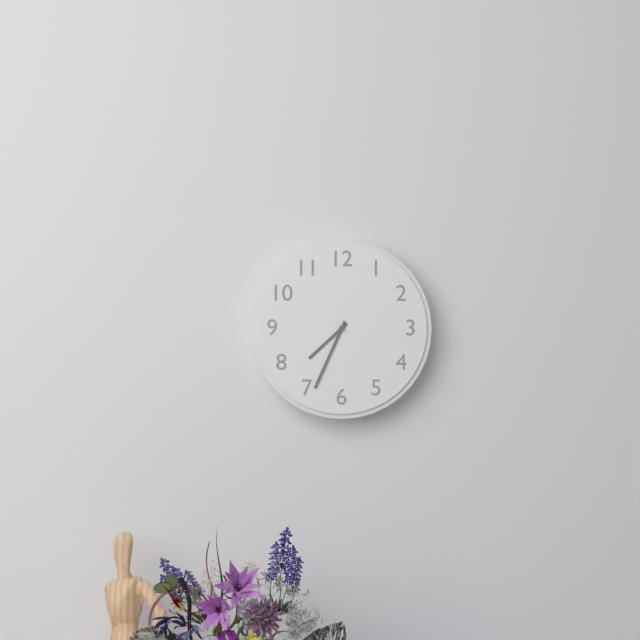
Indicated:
7:34
